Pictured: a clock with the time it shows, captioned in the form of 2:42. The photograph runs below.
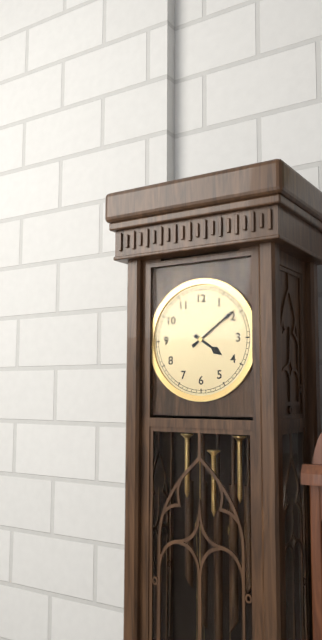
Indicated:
4:09
